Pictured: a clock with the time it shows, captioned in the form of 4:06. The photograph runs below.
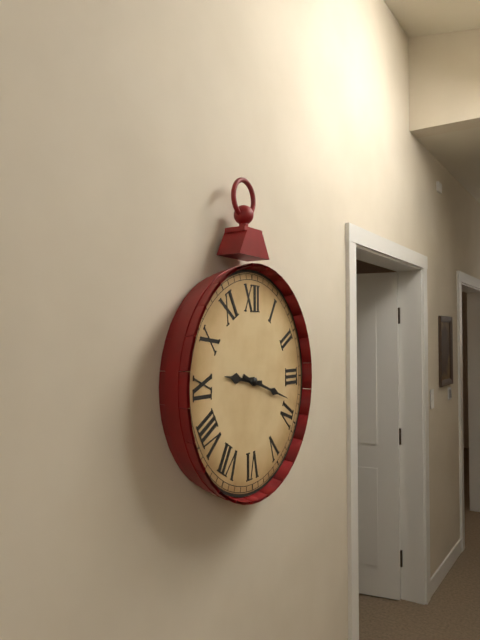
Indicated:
9:18
